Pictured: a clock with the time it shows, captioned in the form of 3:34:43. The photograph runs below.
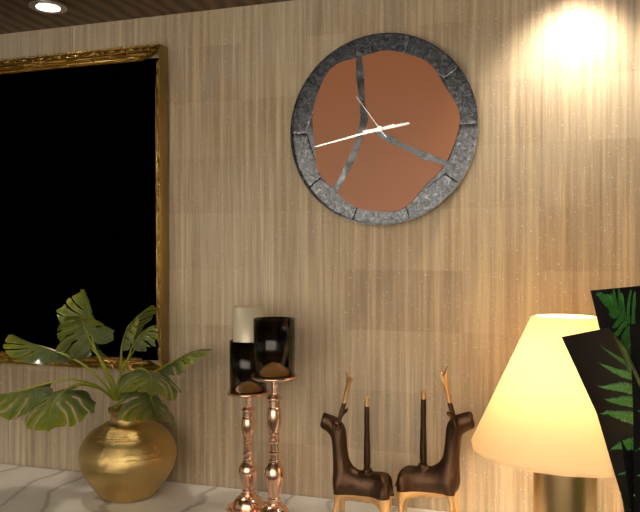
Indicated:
2:43:54
